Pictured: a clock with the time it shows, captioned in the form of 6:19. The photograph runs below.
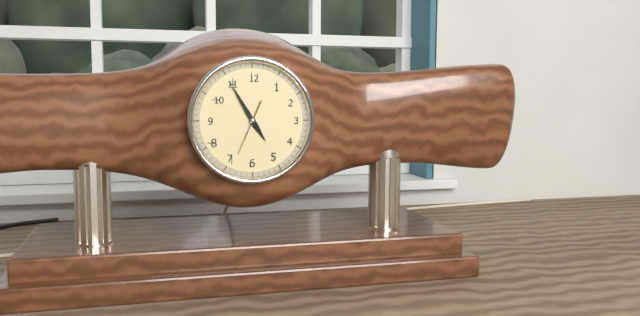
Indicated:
4:55
